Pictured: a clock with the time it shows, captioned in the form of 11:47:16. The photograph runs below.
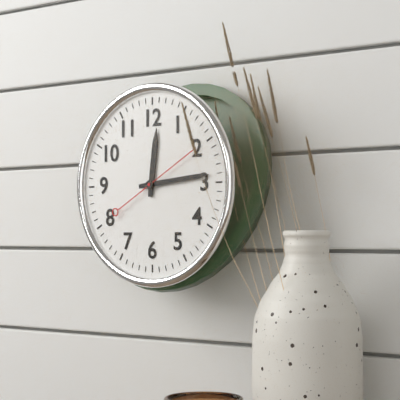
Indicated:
12:14:10
